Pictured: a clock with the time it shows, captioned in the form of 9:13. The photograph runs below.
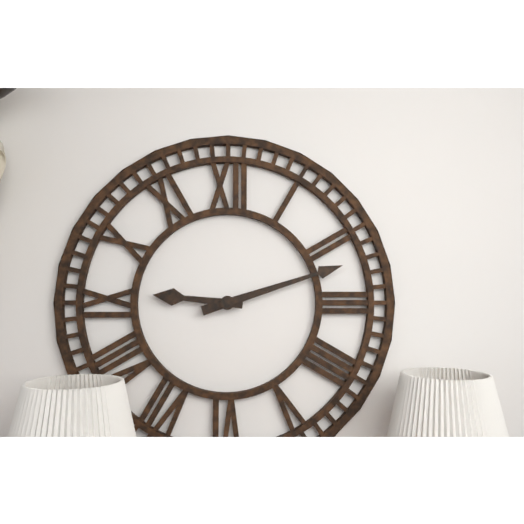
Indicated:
9:12
